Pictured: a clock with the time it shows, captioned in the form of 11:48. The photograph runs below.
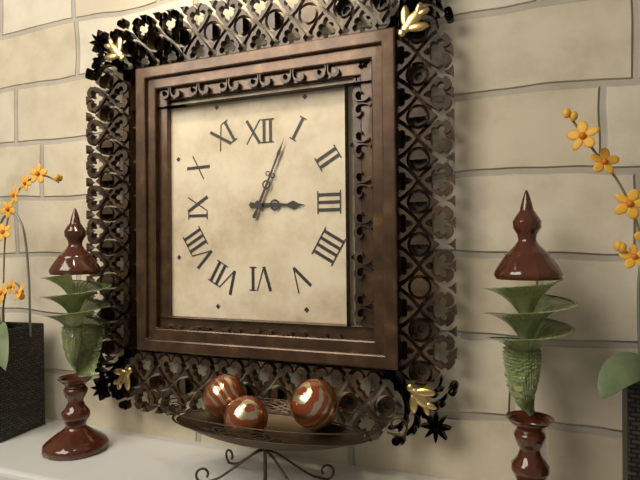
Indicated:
3:04
